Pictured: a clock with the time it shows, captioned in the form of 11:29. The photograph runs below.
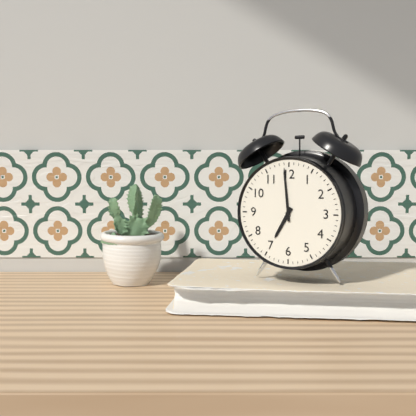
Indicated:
6:59
